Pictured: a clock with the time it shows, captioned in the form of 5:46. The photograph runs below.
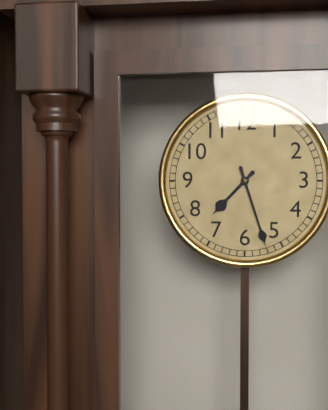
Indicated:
7:27
